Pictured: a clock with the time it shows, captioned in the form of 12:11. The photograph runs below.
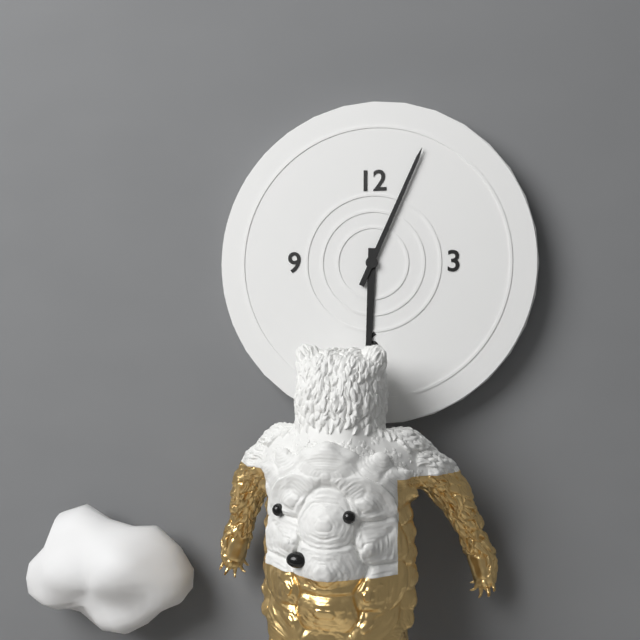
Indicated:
6:04
